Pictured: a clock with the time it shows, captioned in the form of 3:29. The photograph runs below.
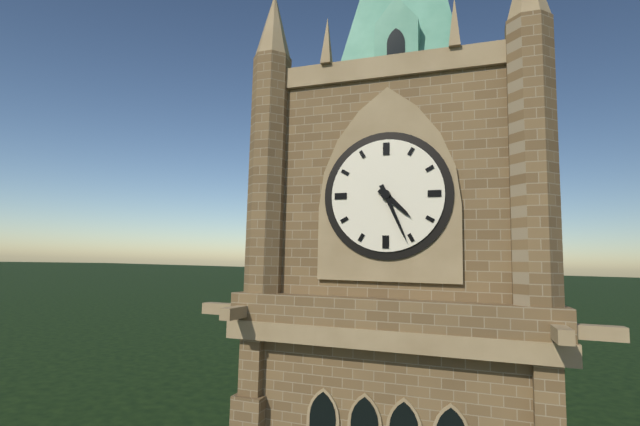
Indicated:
4:26
